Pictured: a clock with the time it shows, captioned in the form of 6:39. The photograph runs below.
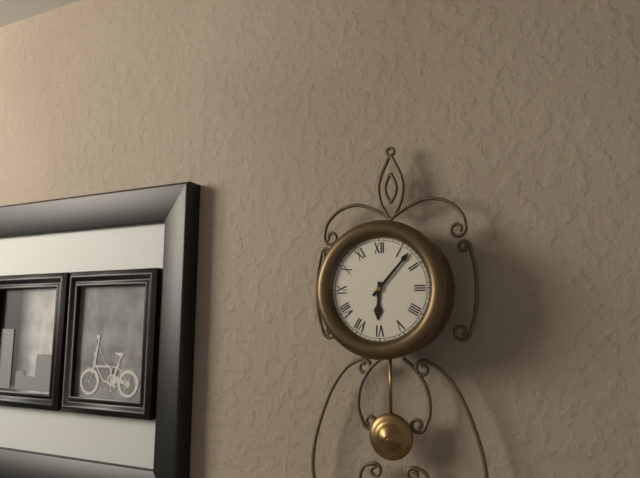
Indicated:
6:07
